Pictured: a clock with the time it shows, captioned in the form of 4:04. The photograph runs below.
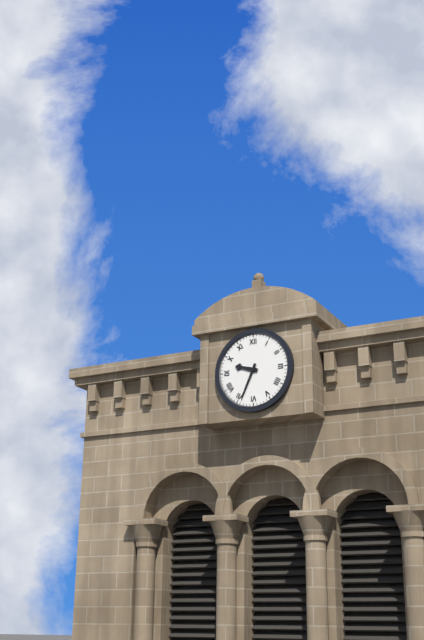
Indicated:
9:34
